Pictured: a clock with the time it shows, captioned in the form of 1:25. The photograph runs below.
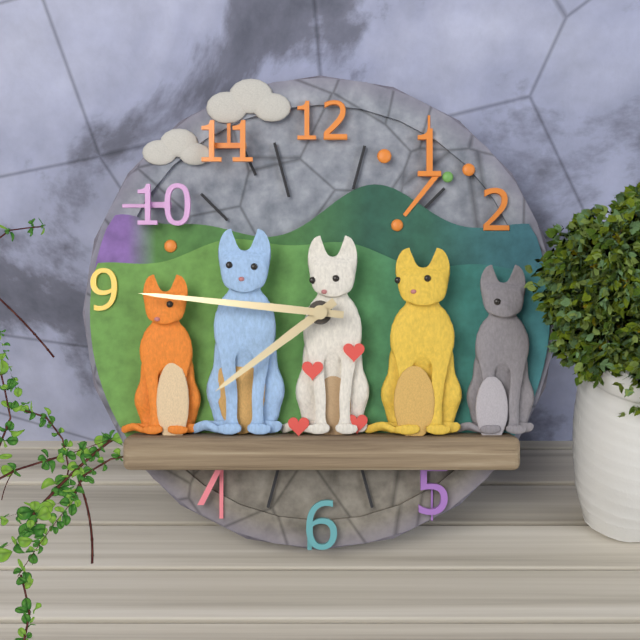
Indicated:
7:46
